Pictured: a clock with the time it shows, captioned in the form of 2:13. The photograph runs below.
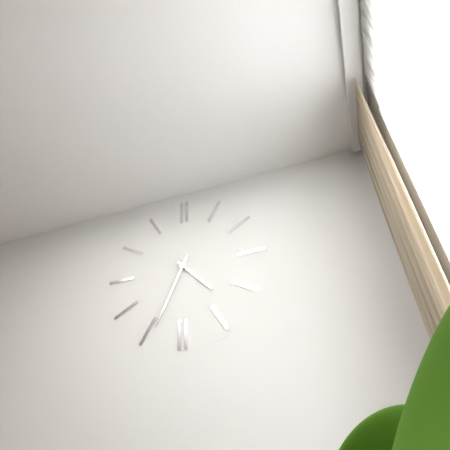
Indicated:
4:34
